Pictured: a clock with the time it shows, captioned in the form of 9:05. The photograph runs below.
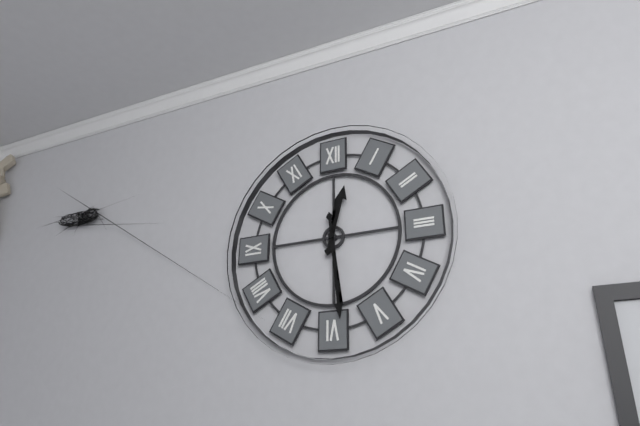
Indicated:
12:29
